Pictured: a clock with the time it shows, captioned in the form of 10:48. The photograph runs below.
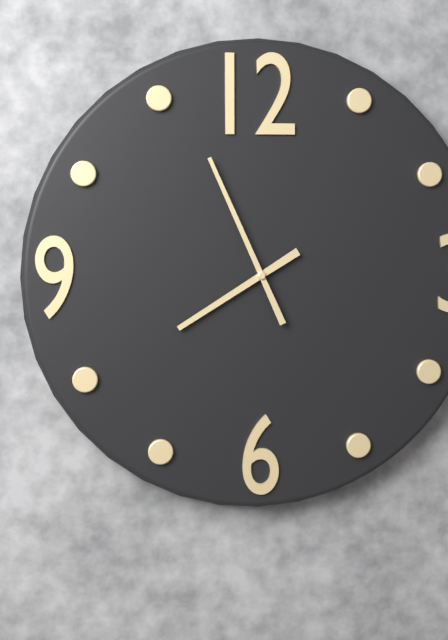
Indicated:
7:56
